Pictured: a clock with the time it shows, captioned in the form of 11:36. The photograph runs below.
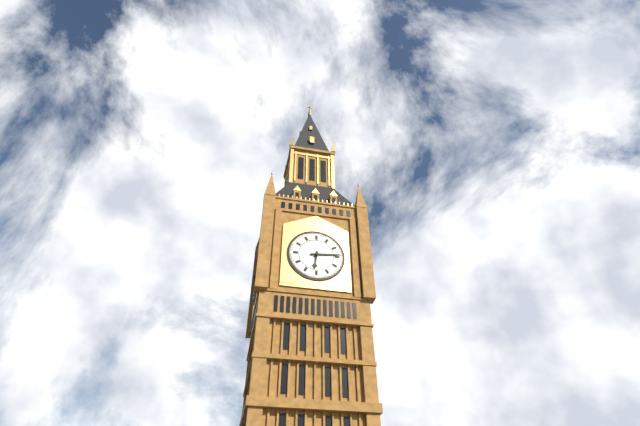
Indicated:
6:14
